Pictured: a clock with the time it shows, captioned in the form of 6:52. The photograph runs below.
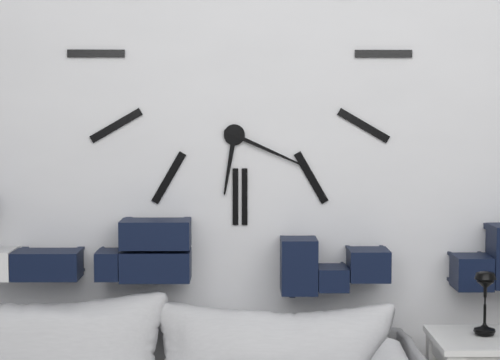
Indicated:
6:19
